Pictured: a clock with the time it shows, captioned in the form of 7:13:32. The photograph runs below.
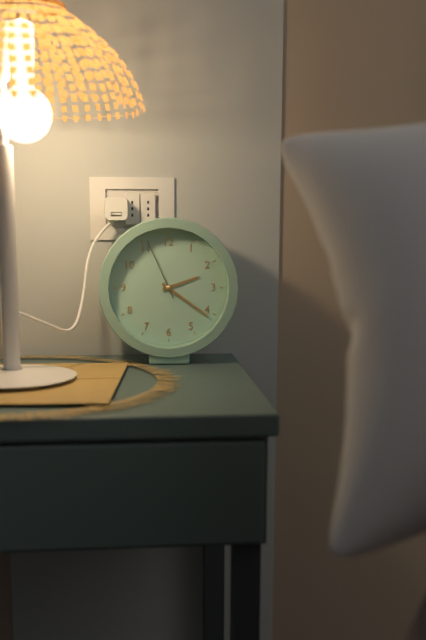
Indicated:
2:21:56
